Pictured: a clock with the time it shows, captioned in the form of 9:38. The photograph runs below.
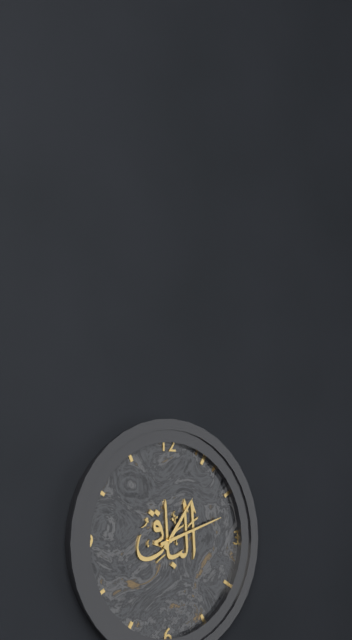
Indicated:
1:12
